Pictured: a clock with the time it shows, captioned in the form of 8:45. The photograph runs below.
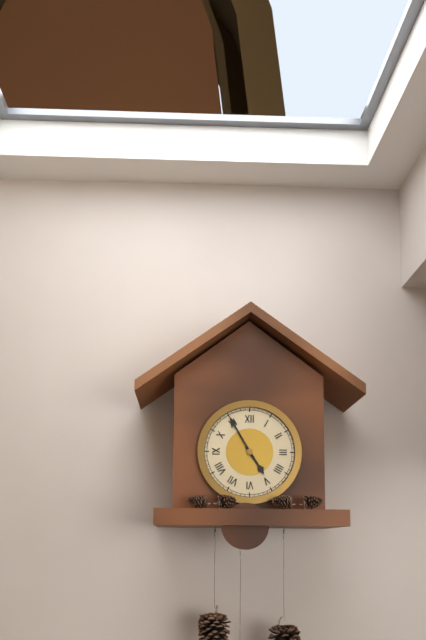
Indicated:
4:55
